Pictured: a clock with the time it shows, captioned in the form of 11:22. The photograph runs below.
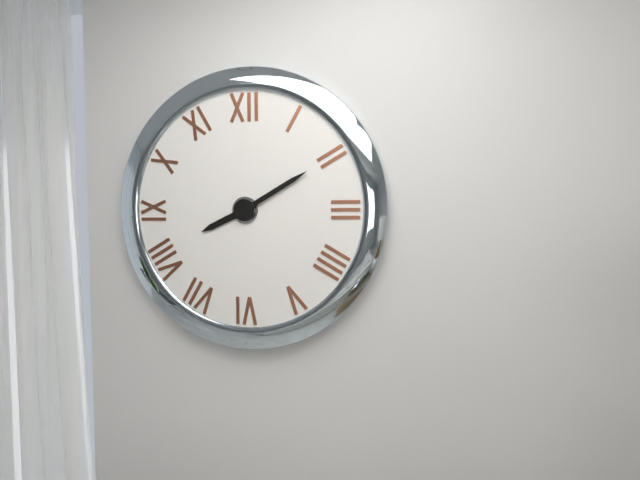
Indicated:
8:10
